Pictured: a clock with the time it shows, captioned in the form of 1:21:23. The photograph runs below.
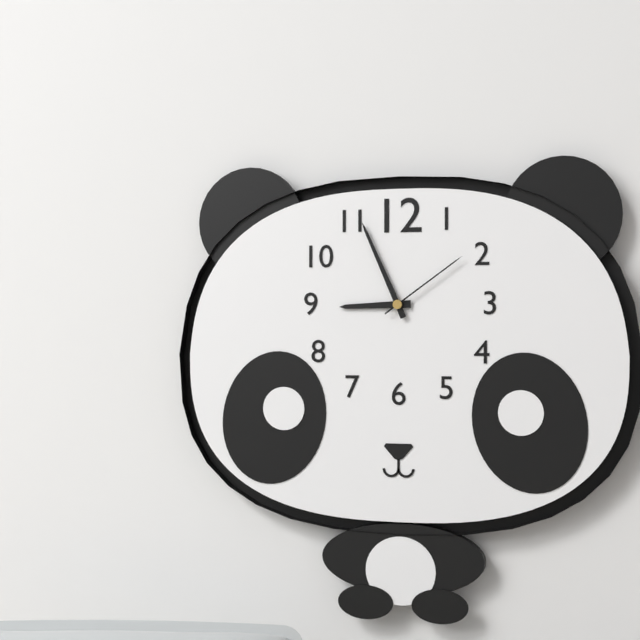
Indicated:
8:56:09
